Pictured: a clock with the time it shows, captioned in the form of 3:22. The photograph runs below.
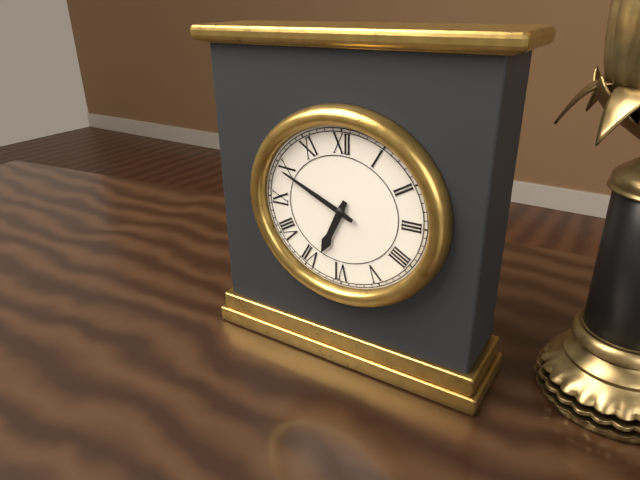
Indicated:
6:49
